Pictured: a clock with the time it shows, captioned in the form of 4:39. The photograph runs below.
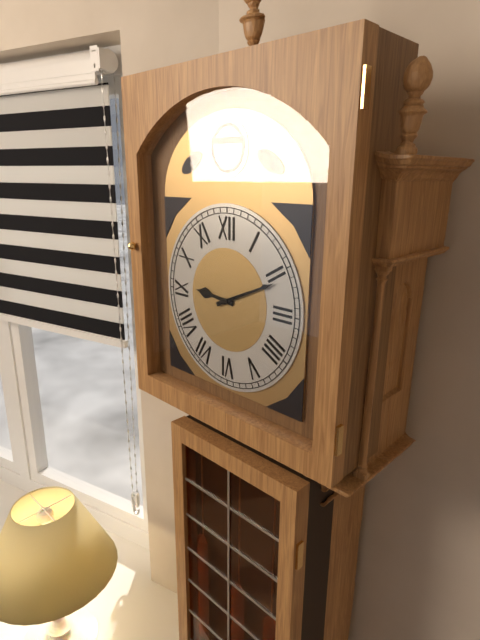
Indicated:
9:11
